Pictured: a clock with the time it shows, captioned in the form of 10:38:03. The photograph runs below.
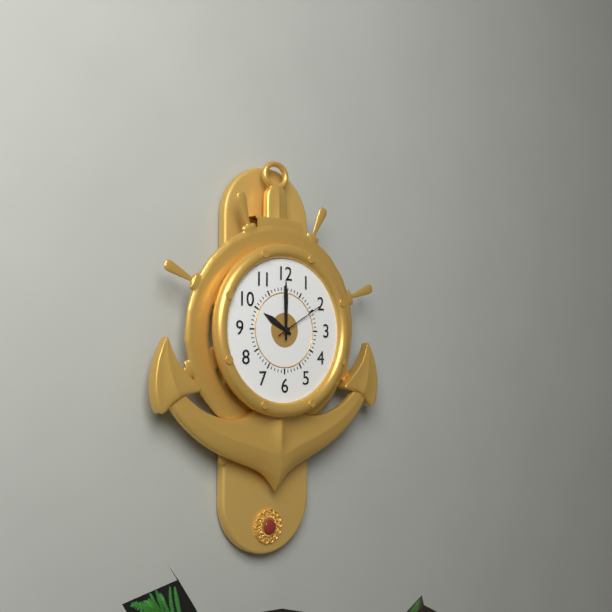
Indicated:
10:00:10
